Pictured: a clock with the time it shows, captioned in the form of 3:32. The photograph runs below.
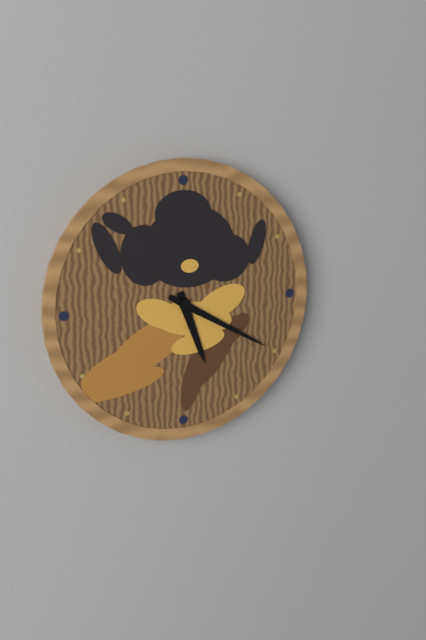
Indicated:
5:20
